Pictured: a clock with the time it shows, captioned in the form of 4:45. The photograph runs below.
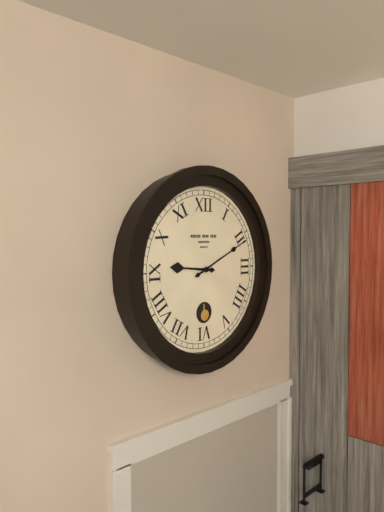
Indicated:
9:11
